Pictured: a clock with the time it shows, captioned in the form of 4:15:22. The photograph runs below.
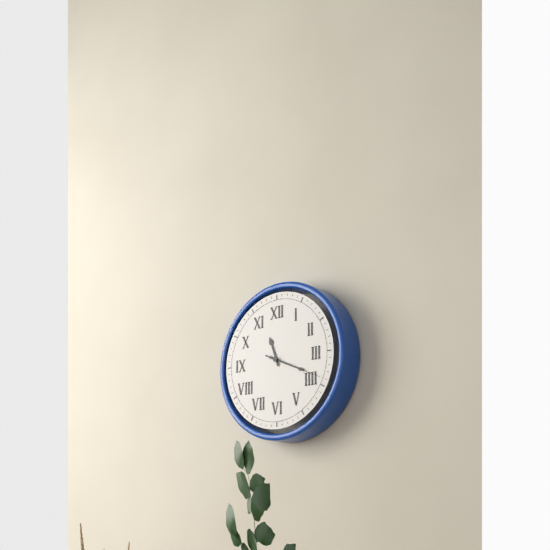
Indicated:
11:19:19
